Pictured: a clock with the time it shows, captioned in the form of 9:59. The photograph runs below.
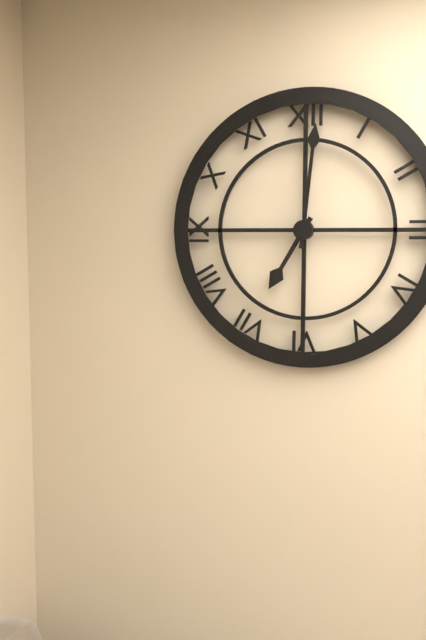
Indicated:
7:01
